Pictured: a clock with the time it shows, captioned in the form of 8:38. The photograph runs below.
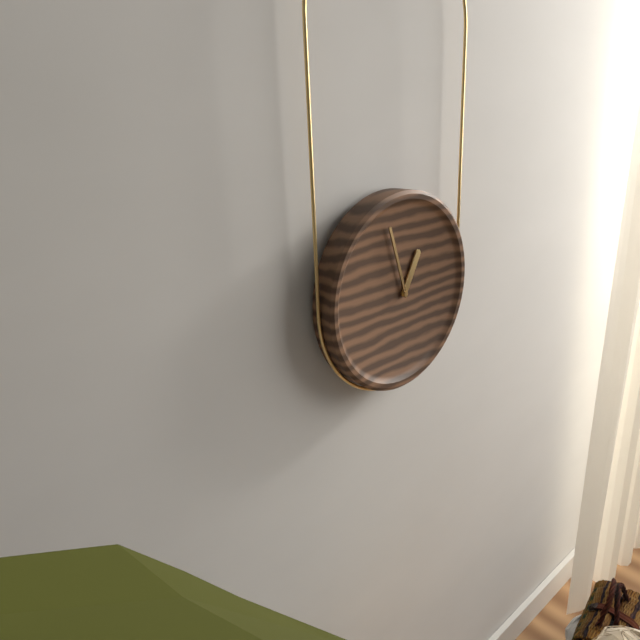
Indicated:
12:57
